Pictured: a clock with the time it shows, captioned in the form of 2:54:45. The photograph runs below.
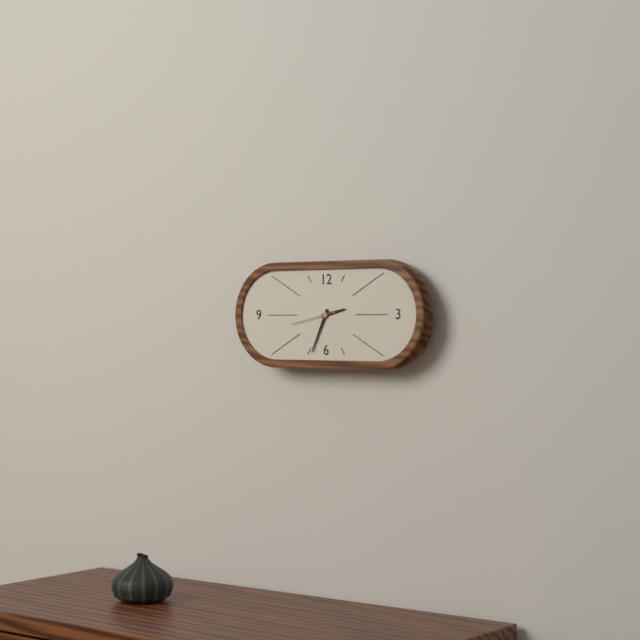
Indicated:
2:34:43
